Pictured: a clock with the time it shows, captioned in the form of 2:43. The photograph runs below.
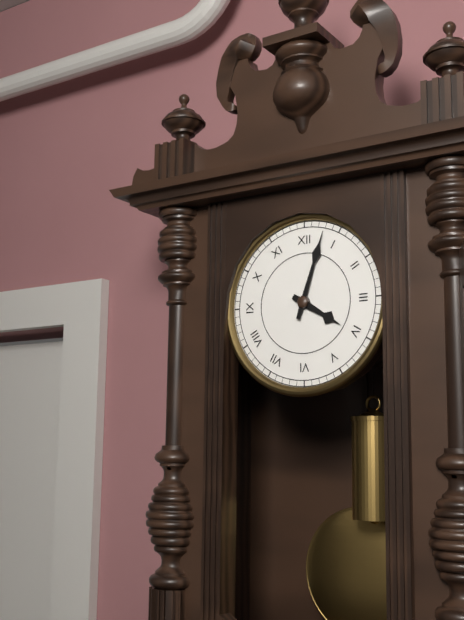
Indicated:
4:03
